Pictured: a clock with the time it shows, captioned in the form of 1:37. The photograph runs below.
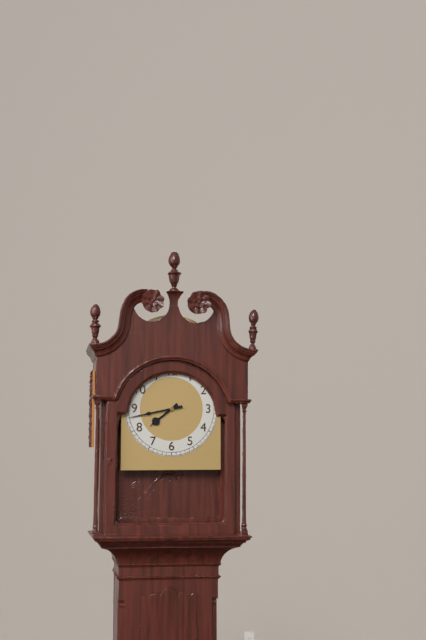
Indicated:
7:43
